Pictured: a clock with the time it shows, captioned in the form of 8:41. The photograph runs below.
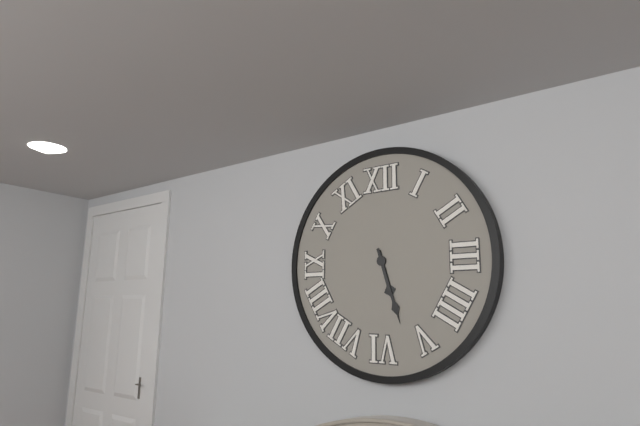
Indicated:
5:27
